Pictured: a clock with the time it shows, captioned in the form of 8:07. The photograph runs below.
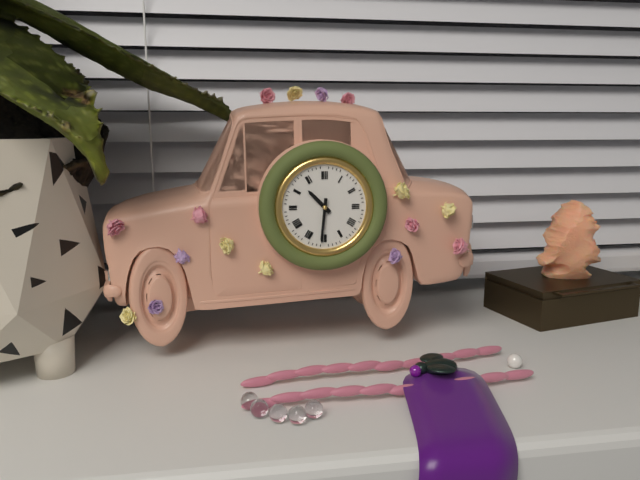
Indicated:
10:31
